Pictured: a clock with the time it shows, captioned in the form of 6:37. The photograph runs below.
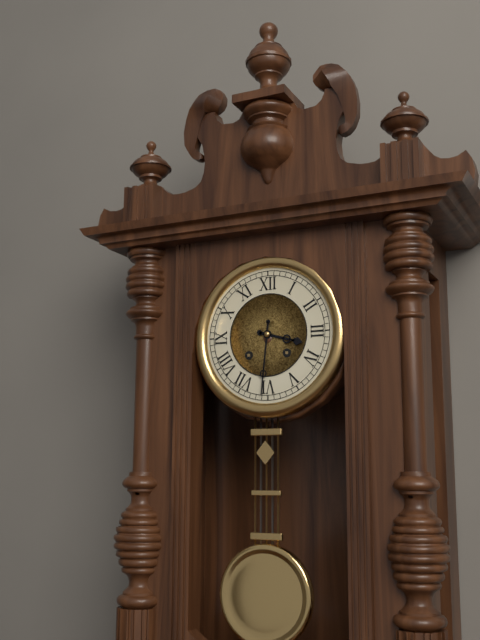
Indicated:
3:31
